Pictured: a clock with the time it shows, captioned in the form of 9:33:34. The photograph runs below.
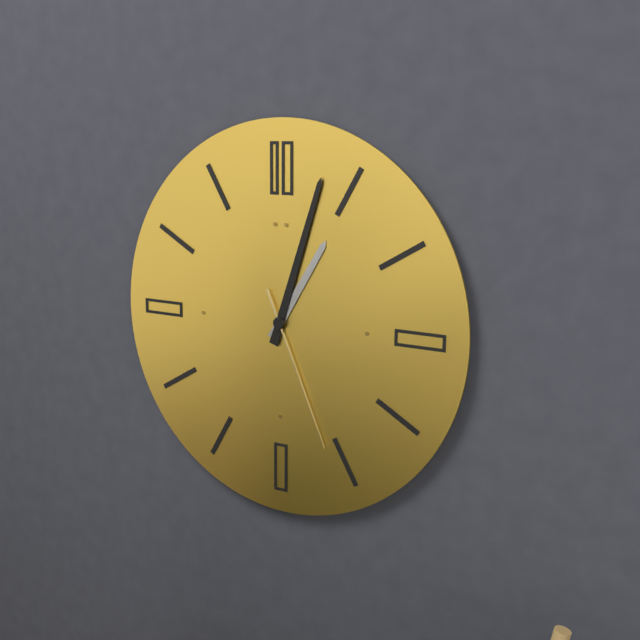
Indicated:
1:03:26
